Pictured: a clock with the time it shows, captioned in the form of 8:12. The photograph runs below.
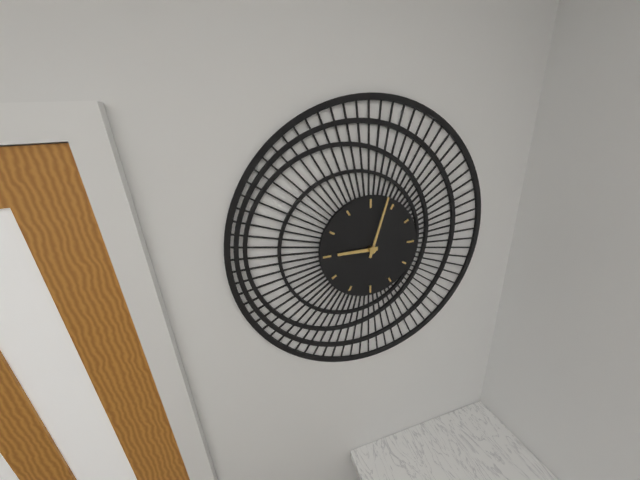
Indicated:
9:03
